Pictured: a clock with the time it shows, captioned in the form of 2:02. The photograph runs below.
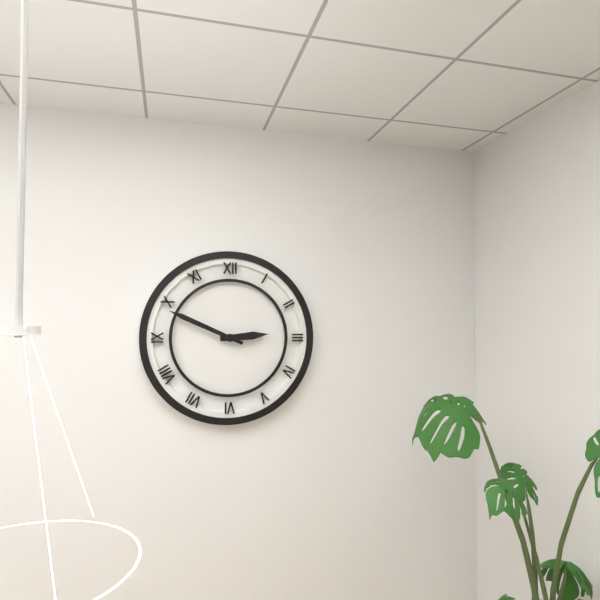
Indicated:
2:49
